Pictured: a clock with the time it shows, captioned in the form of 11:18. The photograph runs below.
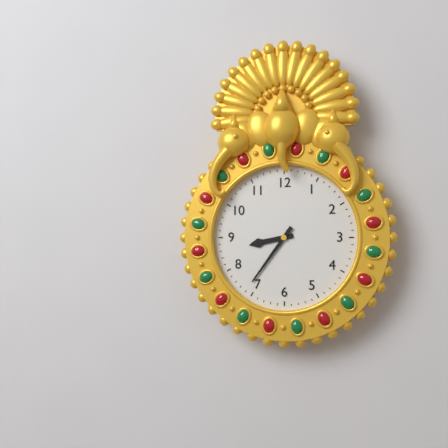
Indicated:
8:36
